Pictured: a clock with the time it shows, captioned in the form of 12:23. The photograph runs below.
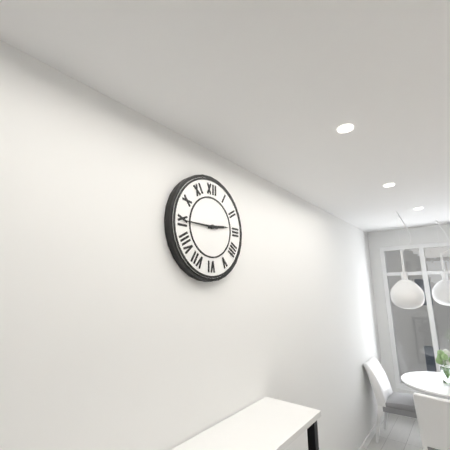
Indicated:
2:45
